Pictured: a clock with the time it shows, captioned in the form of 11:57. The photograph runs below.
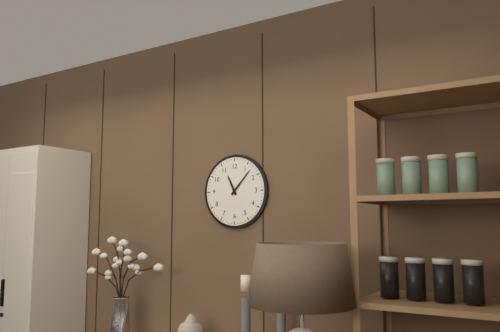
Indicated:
11:07
